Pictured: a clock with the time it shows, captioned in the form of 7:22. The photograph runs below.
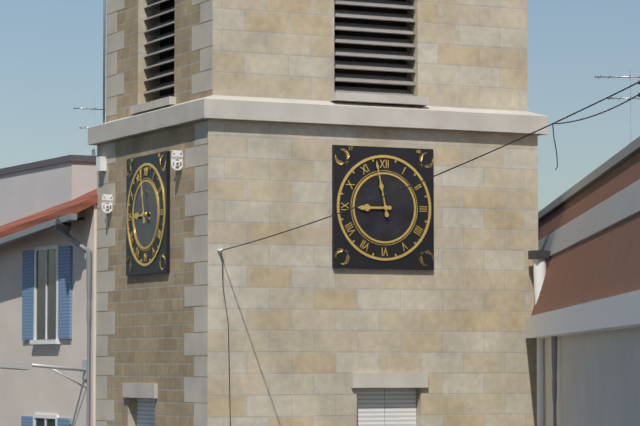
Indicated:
8:58
